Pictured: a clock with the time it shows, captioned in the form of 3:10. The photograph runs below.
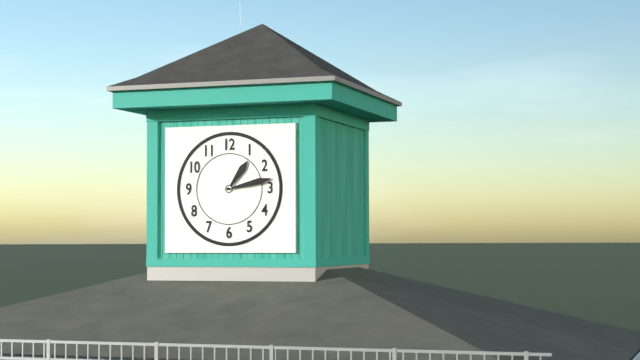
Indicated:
1:13
